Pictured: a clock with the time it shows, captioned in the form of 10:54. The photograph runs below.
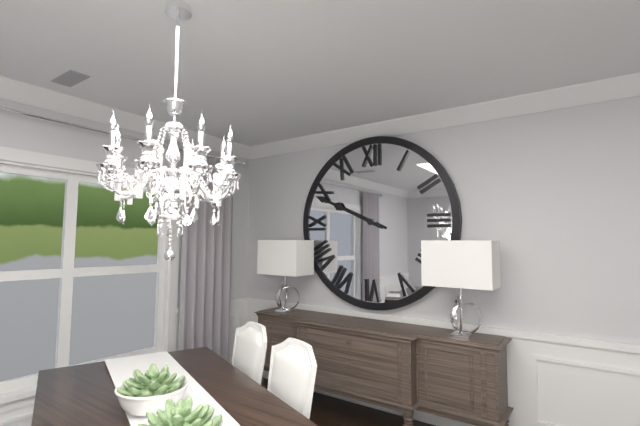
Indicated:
9:49
